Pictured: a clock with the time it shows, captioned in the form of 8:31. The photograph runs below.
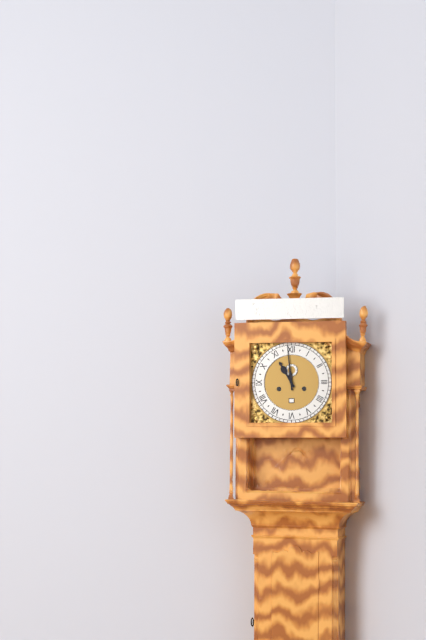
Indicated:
10:59
